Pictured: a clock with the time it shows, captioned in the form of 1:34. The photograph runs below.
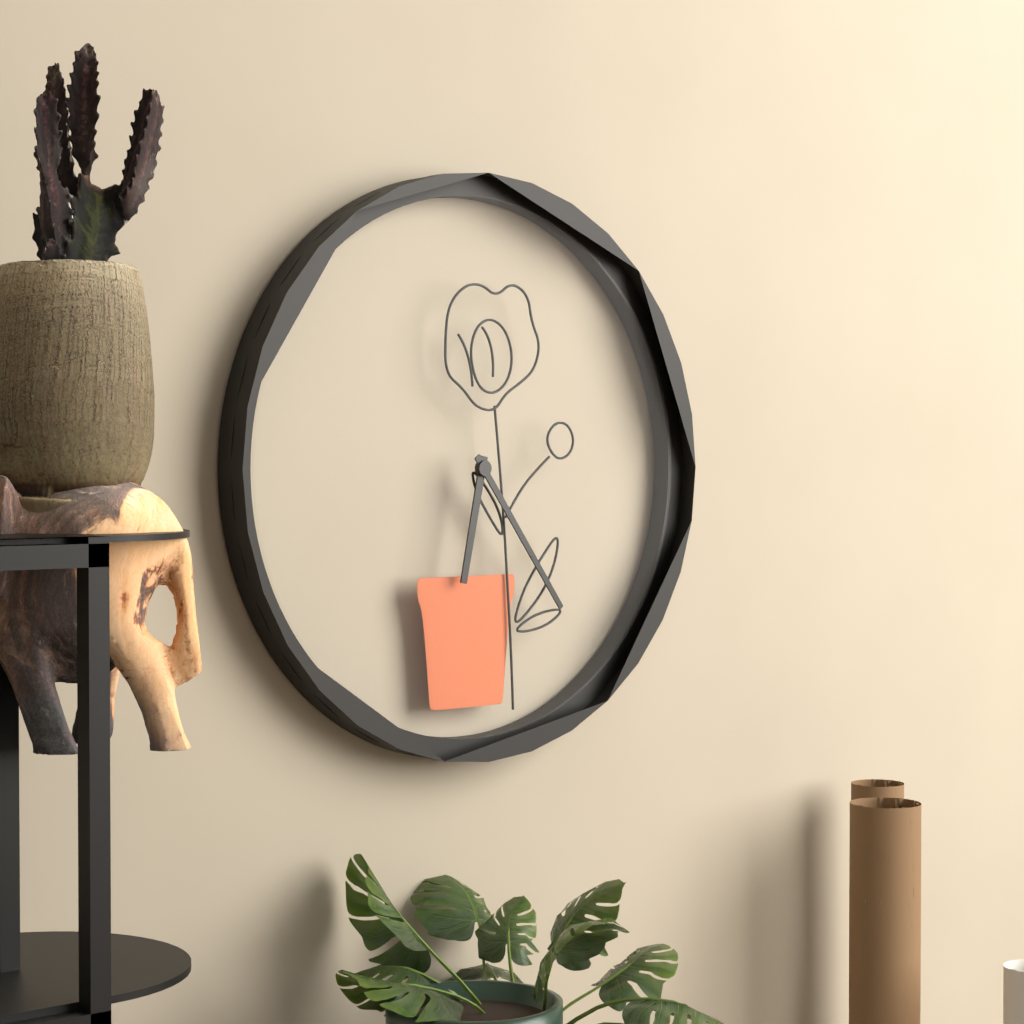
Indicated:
6:24
